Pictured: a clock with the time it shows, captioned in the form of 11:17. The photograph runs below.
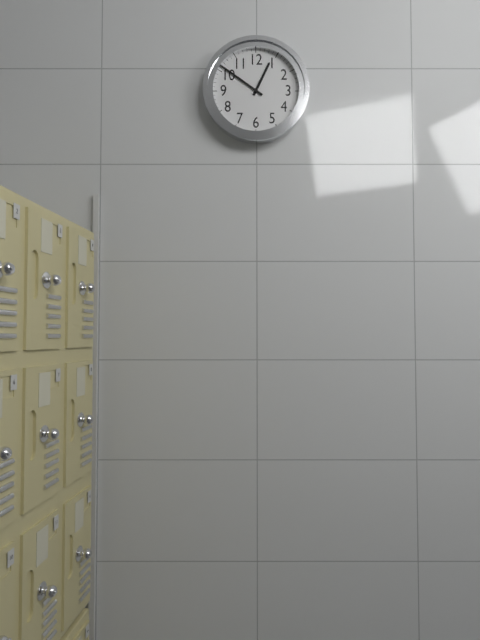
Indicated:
12:51
